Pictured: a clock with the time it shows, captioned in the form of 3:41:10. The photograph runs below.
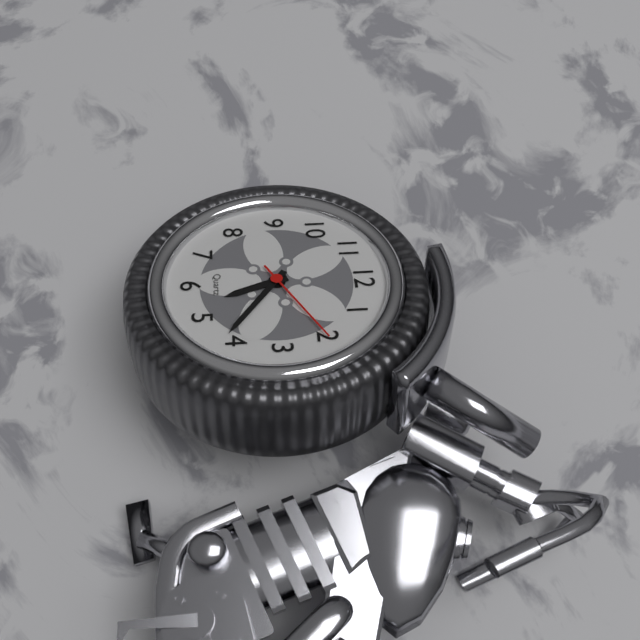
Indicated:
5:21:10
